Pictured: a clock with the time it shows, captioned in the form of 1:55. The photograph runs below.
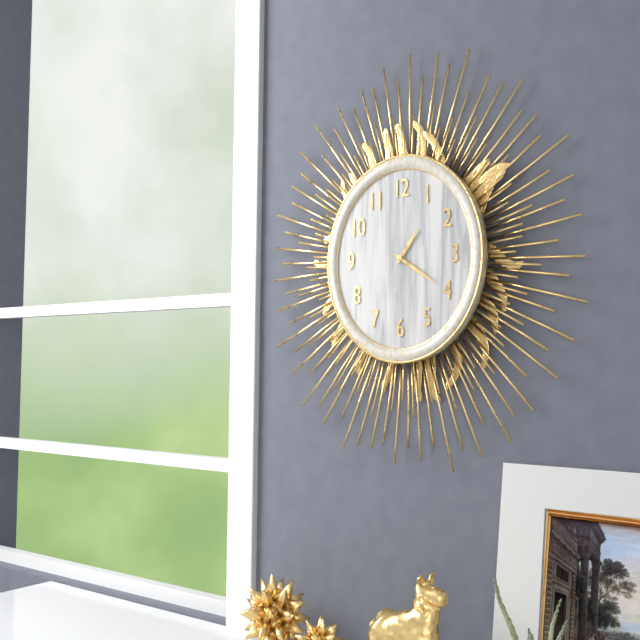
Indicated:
1:20
